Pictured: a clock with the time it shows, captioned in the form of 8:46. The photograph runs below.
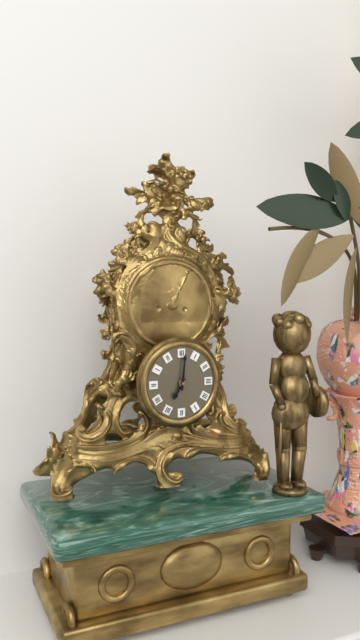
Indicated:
7:01
